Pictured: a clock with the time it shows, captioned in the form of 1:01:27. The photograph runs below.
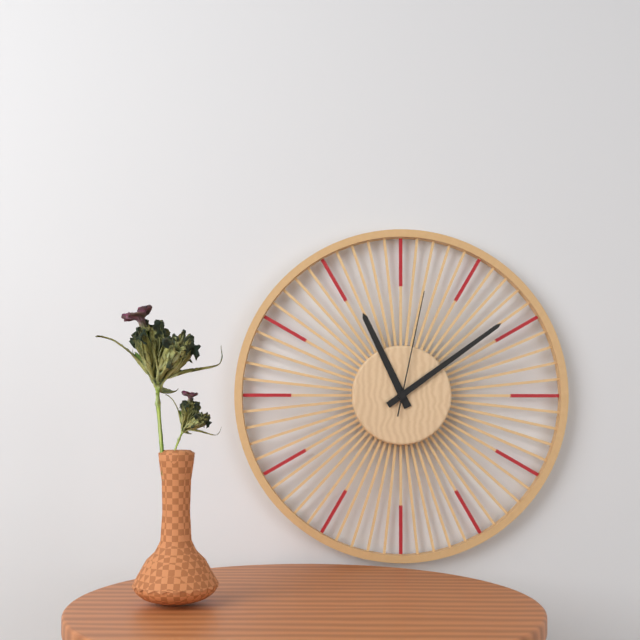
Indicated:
11:09:02
